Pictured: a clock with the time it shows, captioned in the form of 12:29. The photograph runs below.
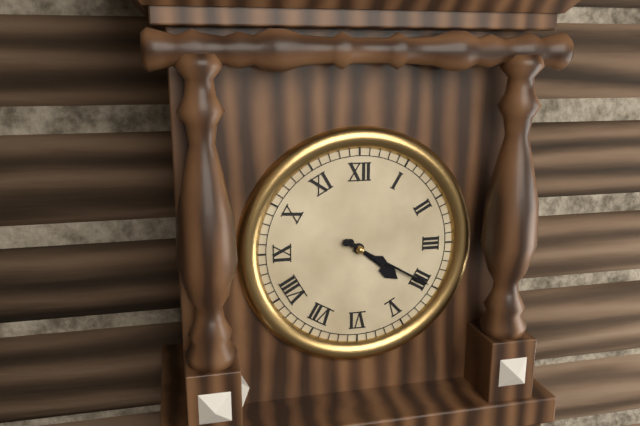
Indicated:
4:20
